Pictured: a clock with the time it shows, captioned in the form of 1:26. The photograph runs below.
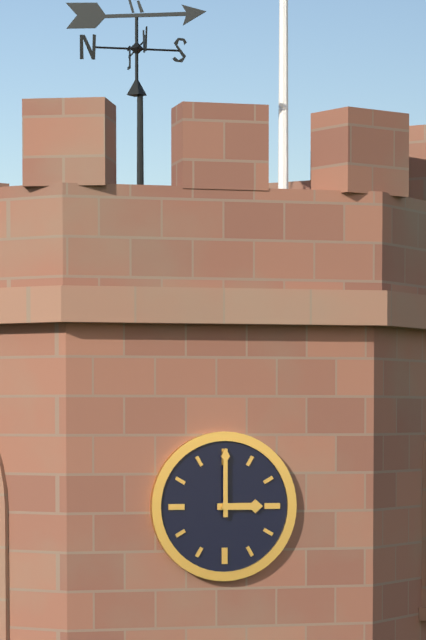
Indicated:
3:00
